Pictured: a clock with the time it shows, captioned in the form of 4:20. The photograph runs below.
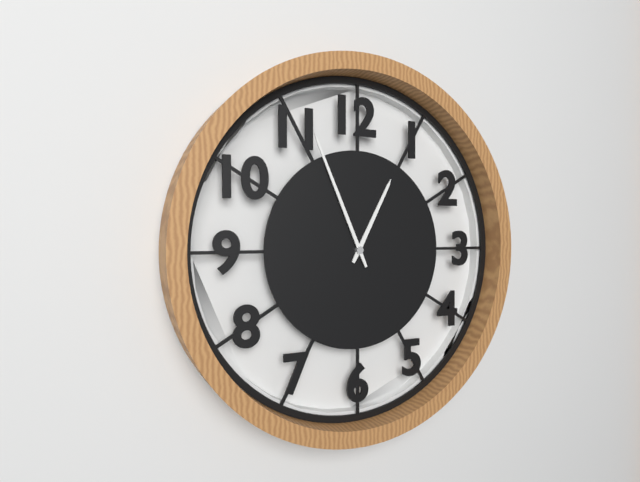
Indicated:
12:56
